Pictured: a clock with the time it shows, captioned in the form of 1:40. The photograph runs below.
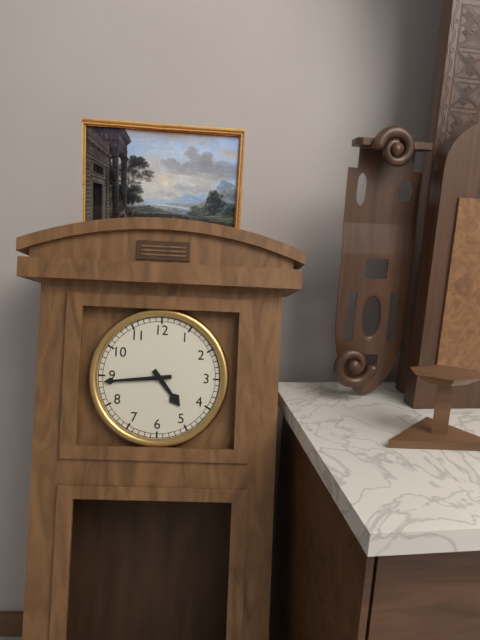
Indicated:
4:44
